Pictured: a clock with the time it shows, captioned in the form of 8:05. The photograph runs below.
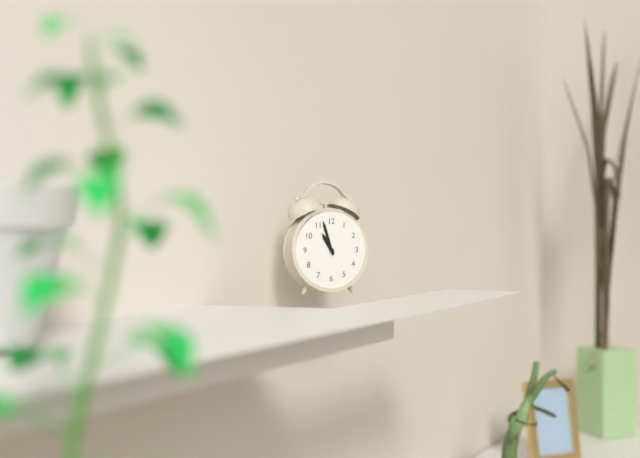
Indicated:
10:57
